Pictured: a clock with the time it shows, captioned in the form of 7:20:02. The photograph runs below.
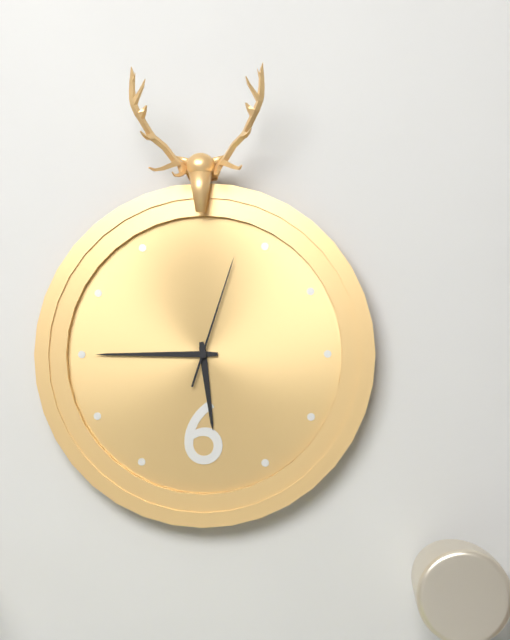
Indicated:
5:45:03
